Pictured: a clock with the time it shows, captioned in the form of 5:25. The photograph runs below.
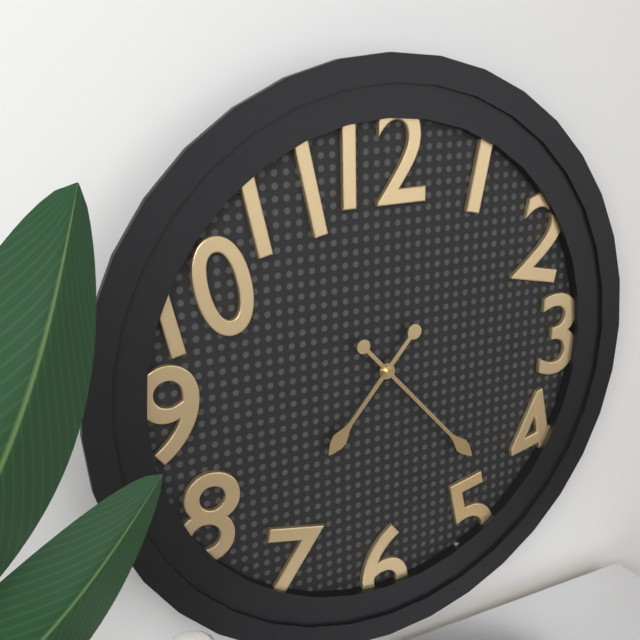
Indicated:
7:23
